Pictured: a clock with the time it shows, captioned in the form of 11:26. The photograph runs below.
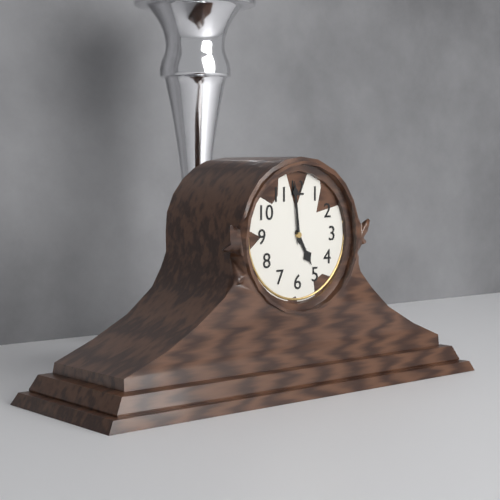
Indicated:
4:59
